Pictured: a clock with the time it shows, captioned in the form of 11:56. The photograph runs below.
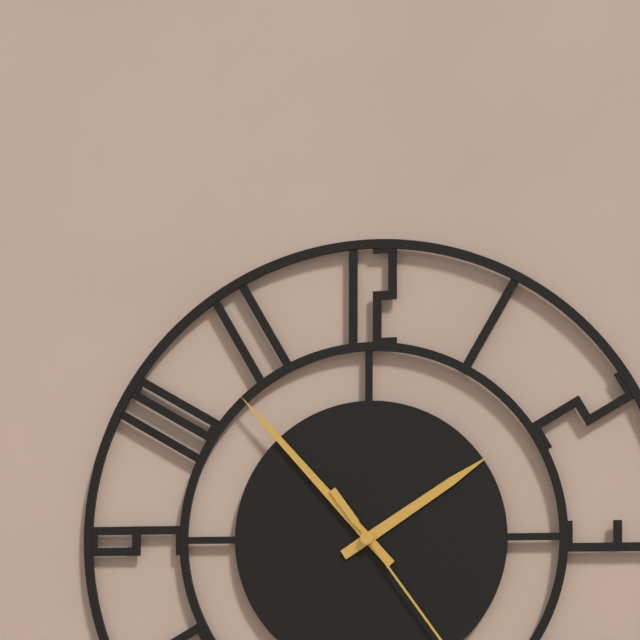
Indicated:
1:53
